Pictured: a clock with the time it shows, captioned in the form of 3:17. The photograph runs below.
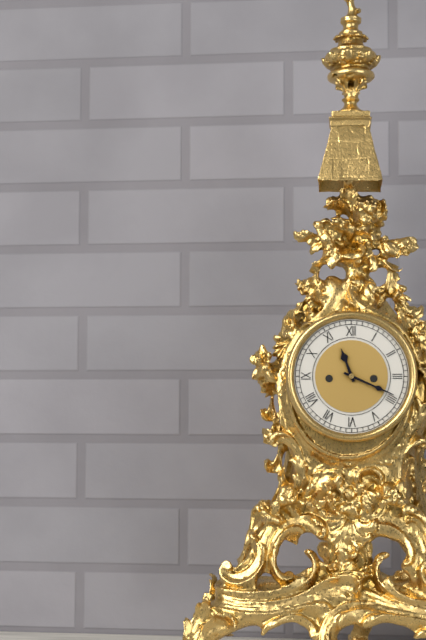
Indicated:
11:19
